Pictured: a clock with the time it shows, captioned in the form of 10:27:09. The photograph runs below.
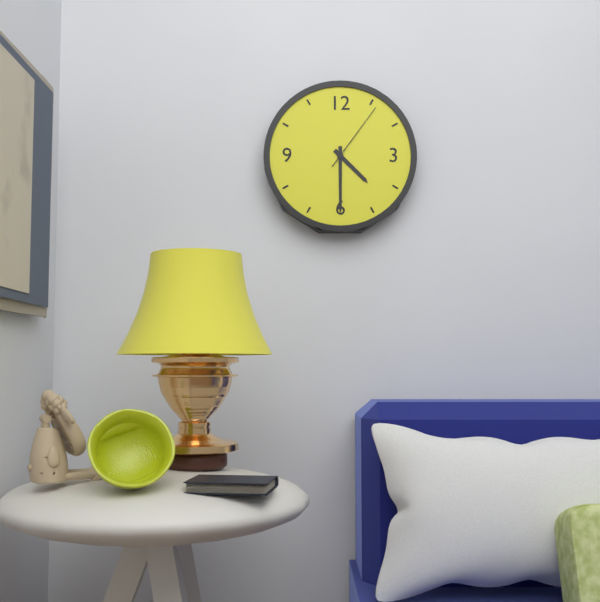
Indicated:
4:30:06
